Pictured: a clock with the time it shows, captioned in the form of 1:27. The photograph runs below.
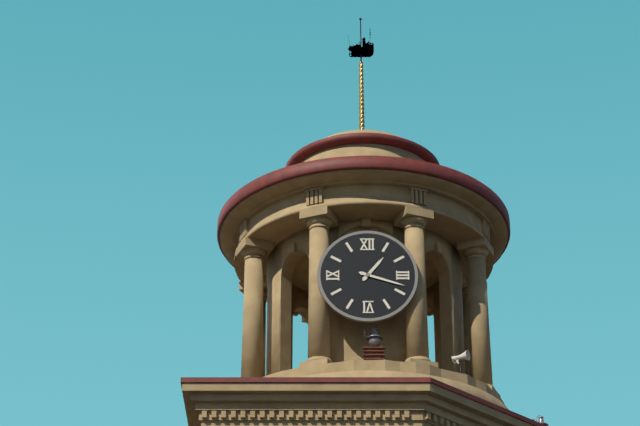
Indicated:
1:18
